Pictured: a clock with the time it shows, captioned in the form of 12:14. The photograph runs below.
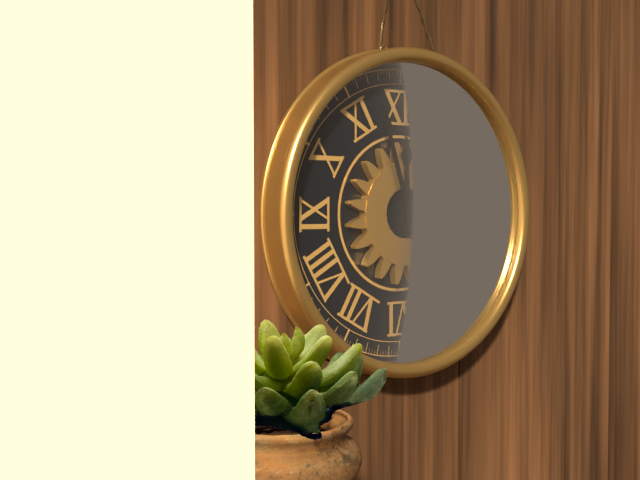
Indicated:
11:57
